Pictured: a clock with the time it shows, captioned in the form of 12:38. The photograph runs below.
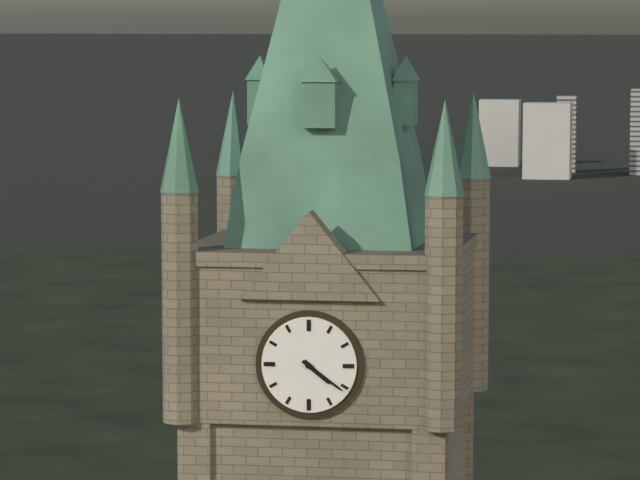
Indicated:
4:21
